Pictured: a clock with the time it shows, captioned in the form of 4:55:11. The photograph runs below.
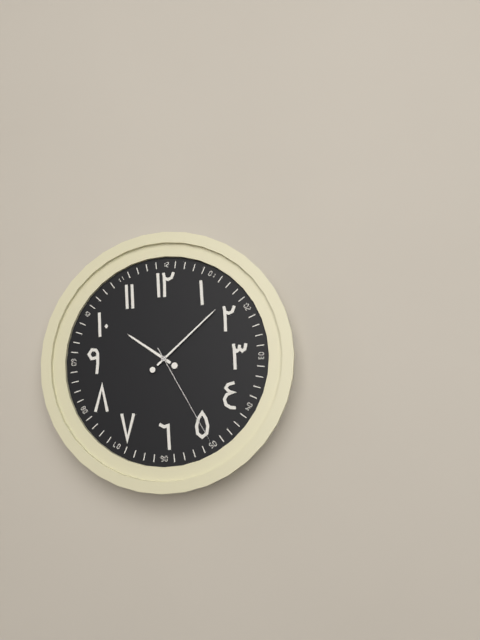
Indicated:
10:08:25
